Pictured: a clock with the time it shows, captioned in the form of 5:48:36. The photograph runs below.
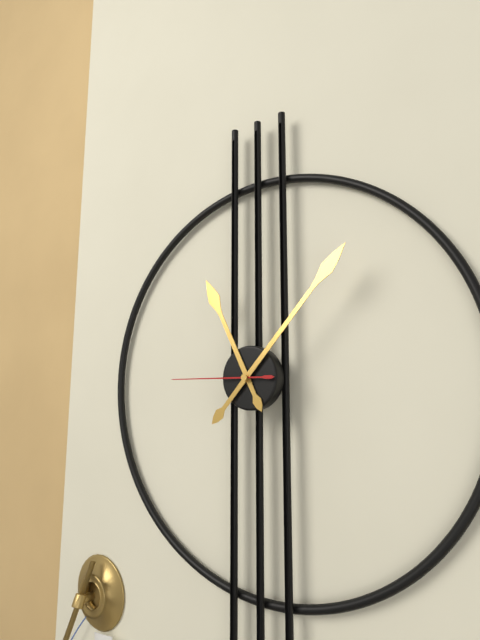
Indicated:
11:07:45
